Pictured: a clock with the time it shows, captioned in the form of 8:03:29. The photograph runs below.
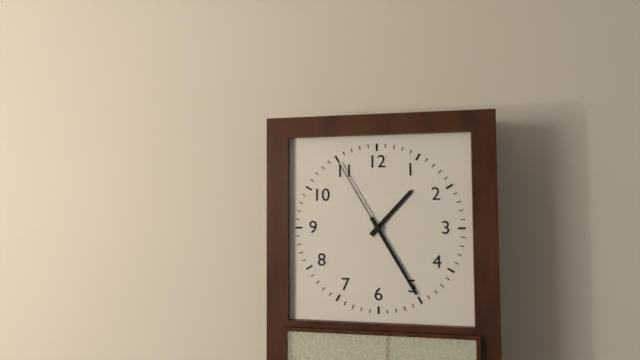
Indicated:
1:25:55
